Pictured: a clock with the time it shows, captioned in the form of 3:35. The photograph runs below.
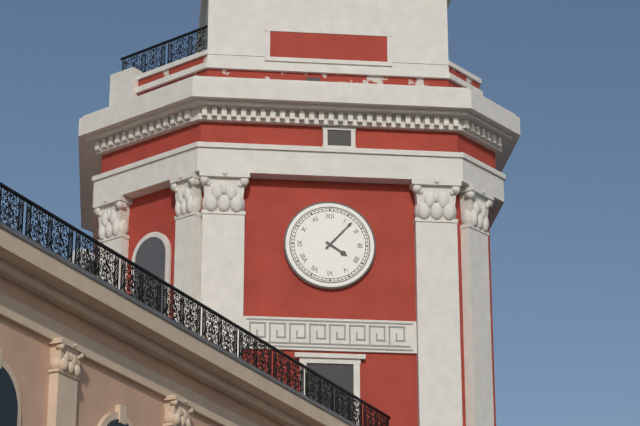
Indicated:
4:07
